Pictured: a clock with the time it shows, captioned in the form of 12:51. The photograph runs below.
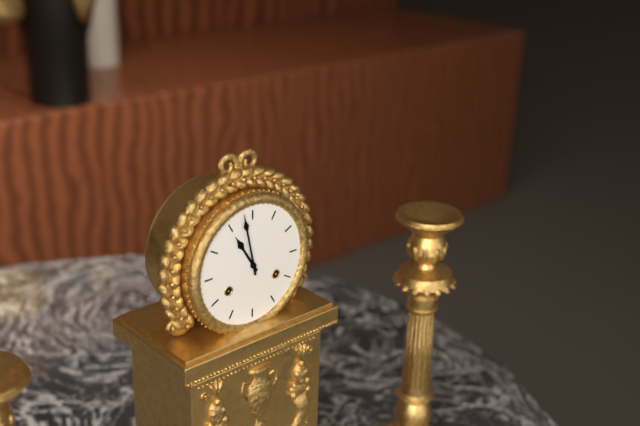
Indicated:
10:58
